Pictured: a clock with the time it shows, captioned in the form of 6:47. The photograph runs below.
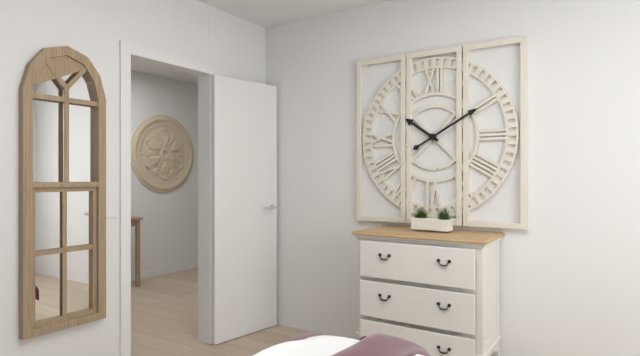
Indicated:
10:10
